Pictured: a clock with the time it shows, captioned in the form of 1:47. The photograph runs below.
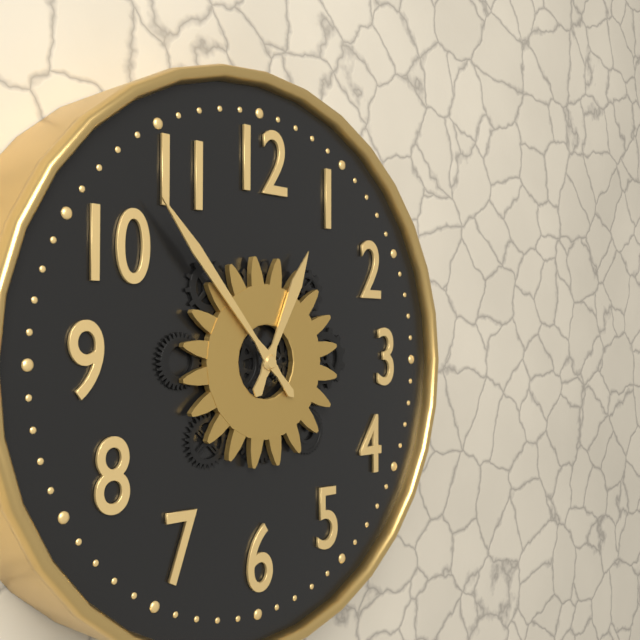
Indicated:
12:53
